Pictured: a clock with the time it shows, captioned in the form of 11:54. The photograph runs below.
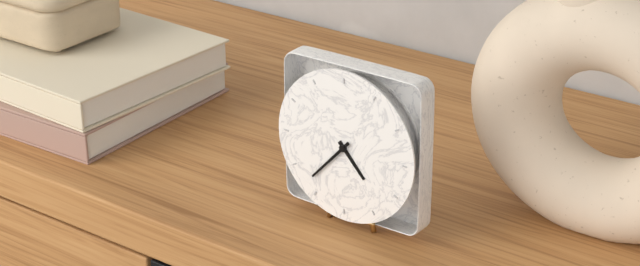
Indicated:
4:37
